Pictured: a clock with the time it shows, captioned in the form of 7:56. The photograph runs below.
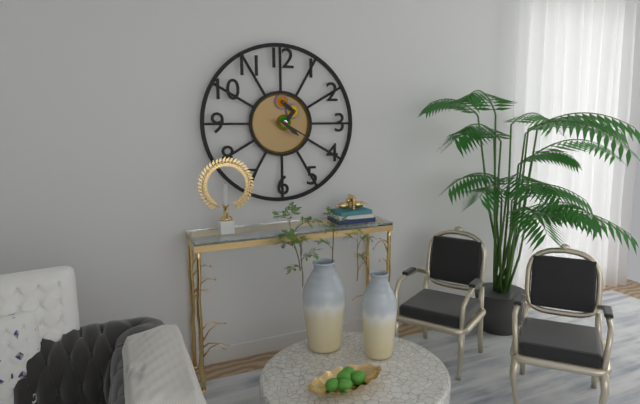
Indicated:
4:20
